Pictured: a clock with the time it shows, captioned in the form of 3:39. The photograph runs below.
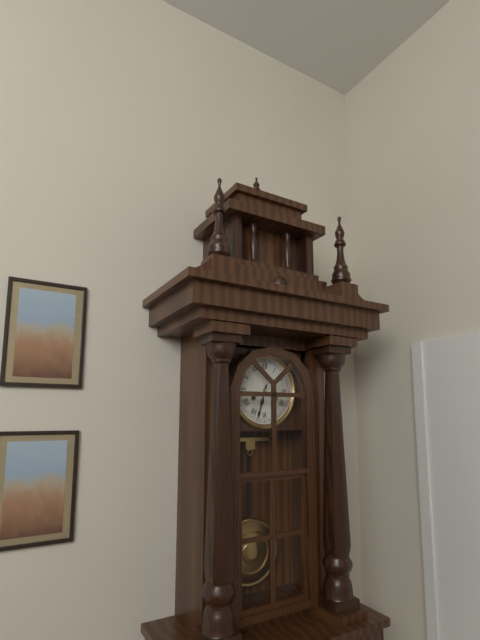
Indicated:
6:33
